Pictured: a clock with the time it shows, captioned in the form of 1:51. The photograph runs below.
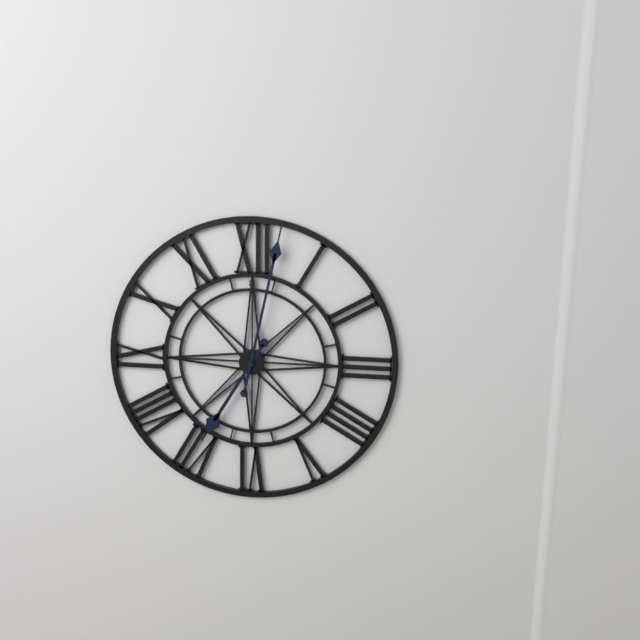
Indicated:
7:02
